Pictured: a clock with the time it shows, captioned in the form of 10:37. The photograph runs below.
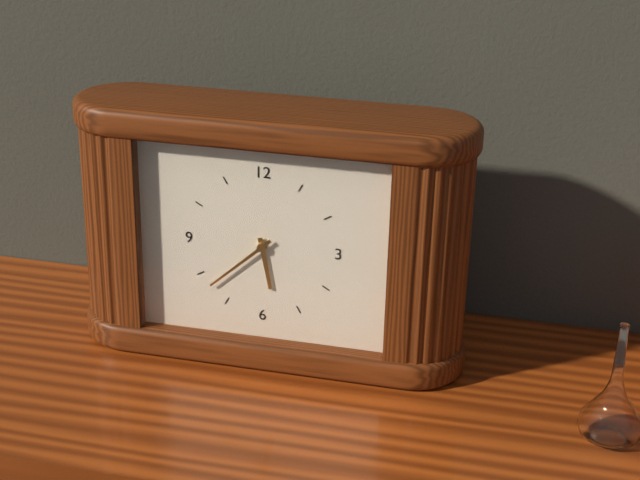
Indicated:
5:38
